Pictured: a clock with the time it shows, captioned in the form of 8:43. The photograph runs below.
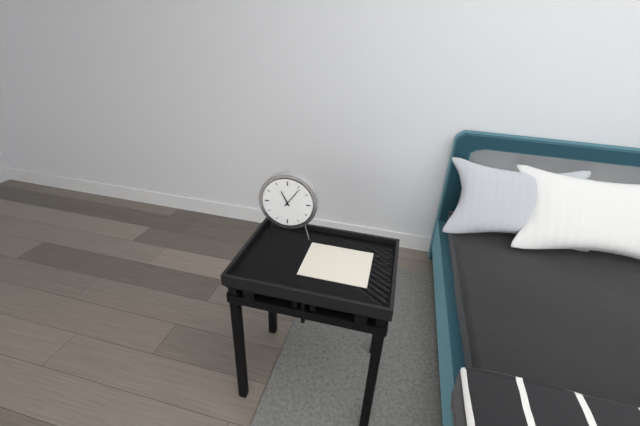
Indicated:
11:06
